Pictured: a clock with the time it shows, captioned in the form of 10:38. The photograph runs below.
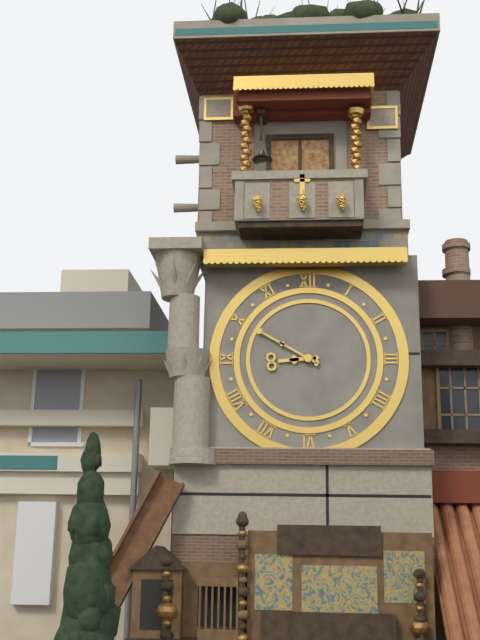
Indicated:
8:50
